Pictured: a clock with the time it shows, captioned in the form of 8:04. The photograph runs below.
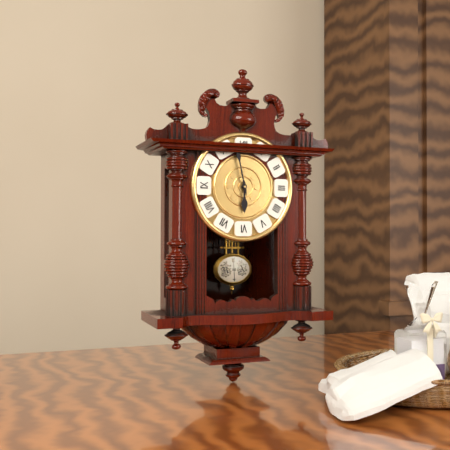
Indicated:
5:58
